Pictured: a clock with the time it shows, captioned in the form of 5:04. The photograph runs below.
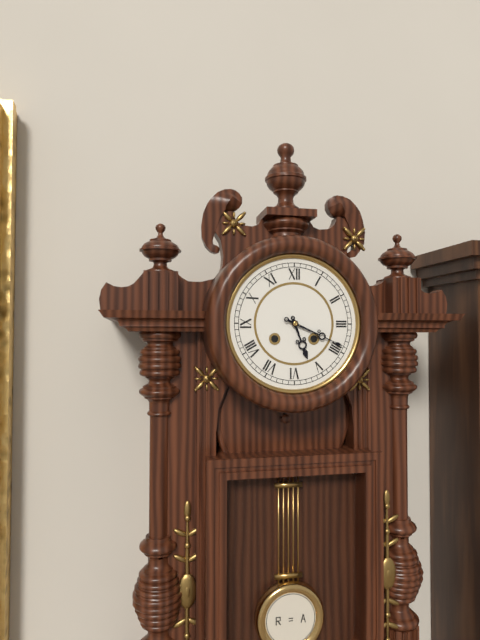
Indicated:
5:19
